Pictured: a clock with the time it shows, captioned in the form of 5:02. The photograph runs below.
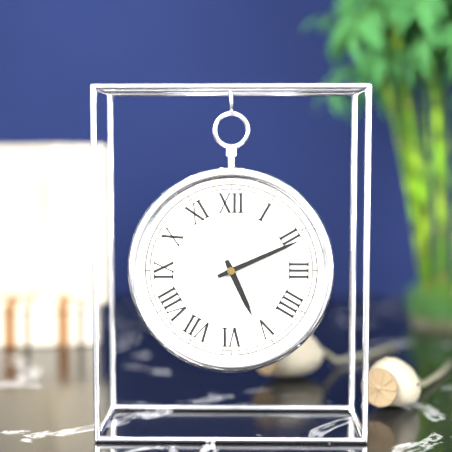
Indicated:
5:11
